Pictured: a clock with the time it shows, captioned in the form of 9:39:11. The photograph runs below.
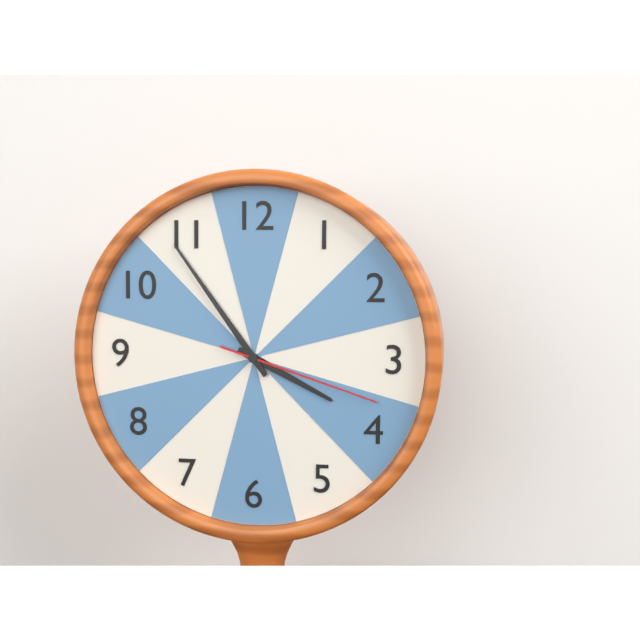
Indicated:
3:54:18
